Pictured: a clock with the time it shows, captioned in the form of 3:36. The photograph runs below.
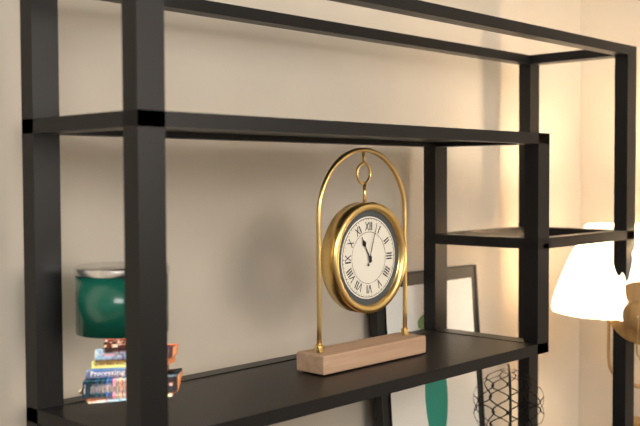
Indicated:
11:03
